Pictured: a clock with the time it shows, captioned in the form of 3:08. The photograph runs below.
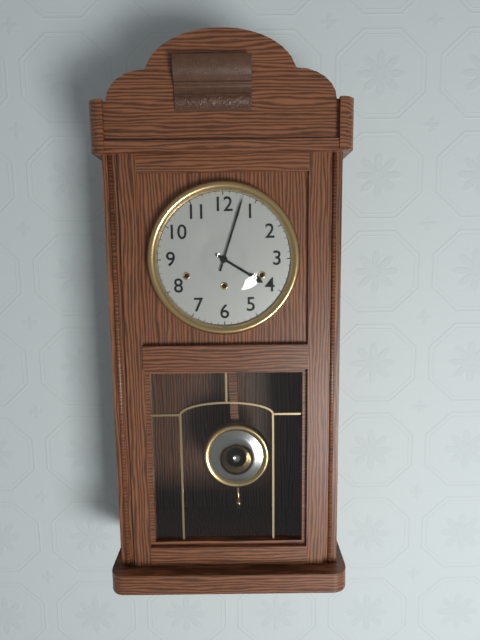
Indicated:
4:03
